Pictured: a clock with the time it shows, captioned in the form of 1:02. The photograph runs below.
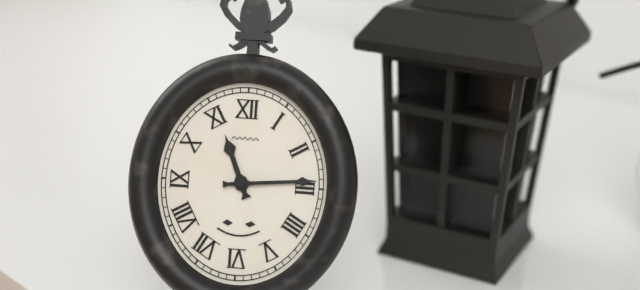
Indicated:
11:14
